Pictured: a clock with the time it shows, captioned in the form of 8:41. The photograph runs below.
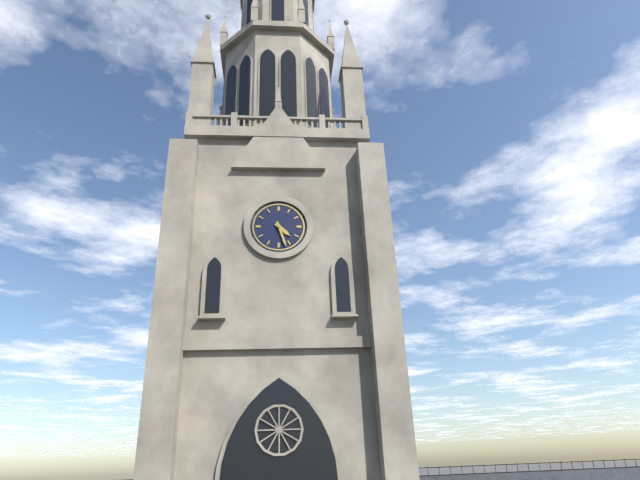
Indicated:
4:27
